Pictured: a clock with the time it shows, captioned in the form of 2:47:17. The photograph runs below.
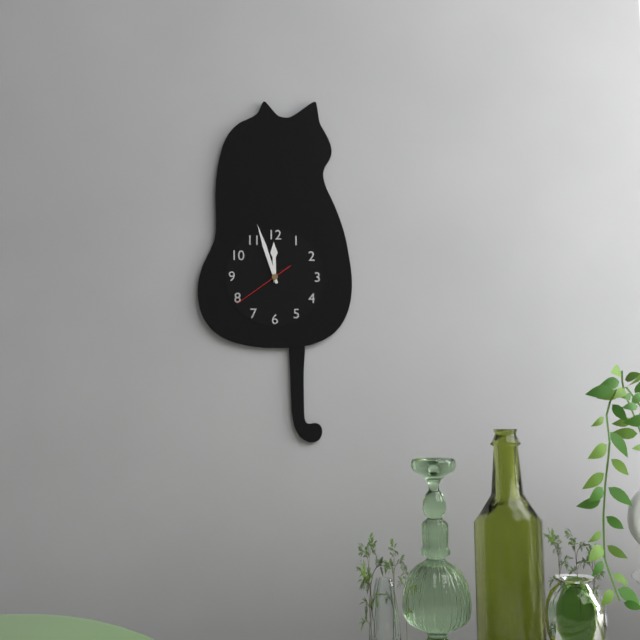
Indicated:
11:57:39
